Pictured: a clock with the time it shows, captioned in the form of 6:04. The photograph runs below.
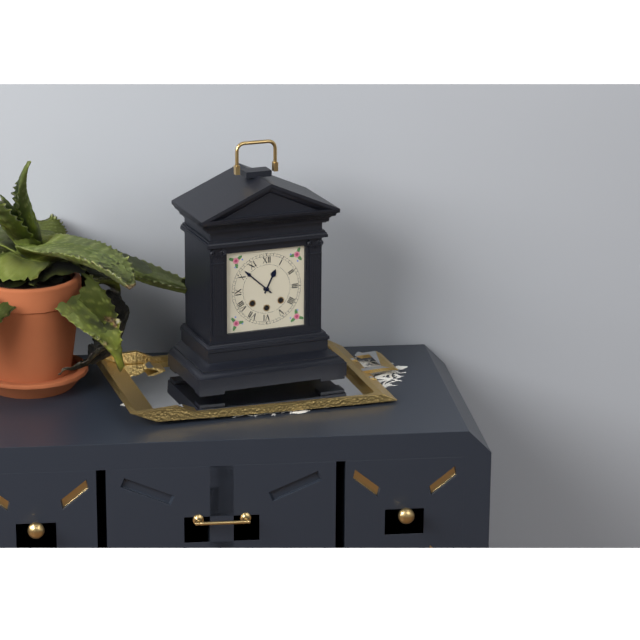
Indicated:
12:52
